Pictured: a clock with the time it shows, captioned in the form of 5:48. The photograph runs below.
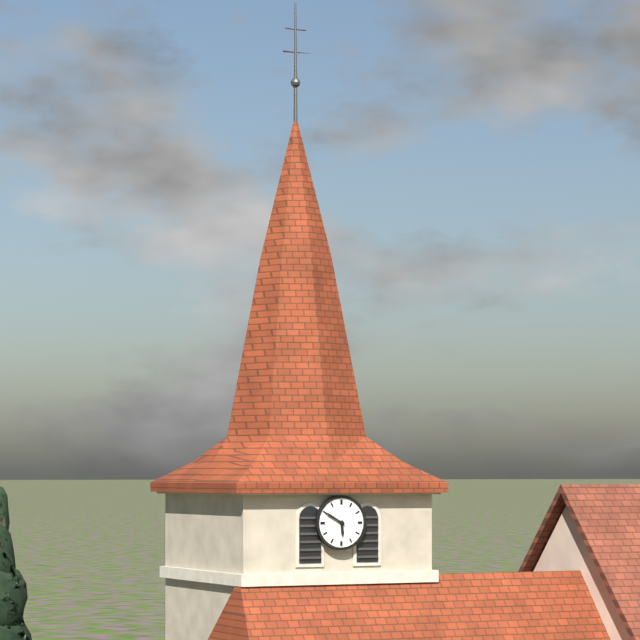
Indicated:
5:50
